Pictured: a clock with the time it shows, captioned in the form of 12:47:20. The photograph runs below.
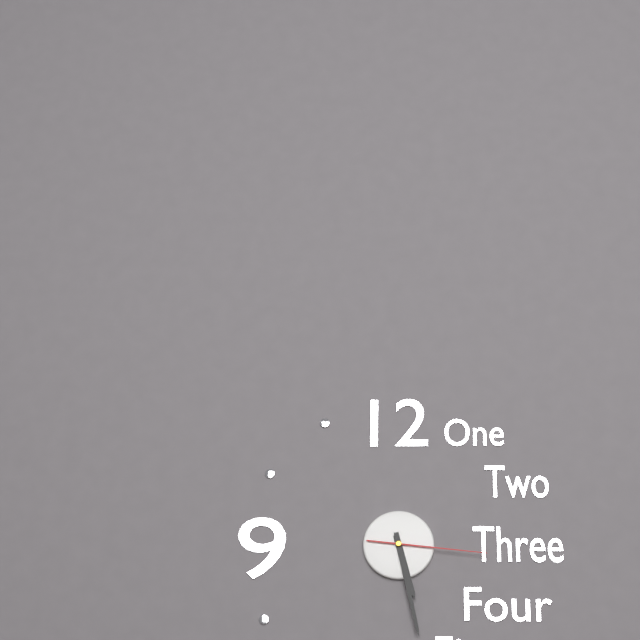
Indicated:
5:28:16
